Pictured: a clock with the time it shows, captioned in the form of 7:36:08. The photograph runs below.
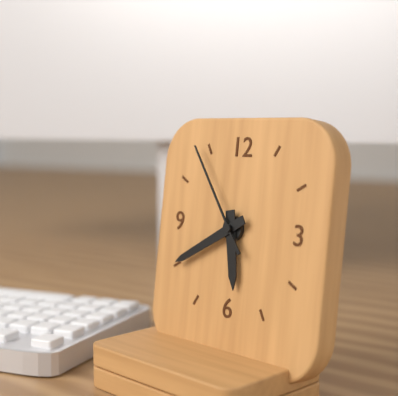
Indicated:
5:40:54
